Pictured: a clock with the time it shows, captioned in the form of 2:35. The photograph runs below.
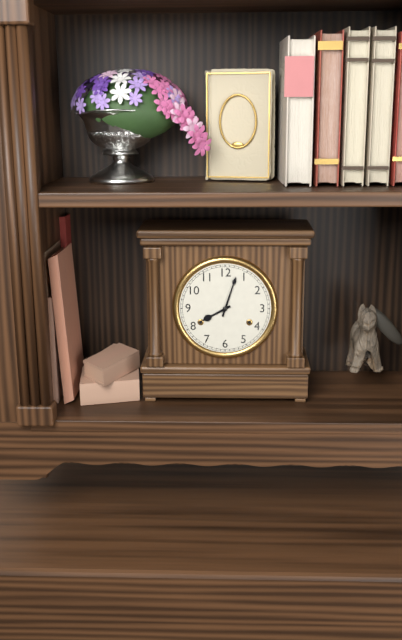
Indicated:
8:03
